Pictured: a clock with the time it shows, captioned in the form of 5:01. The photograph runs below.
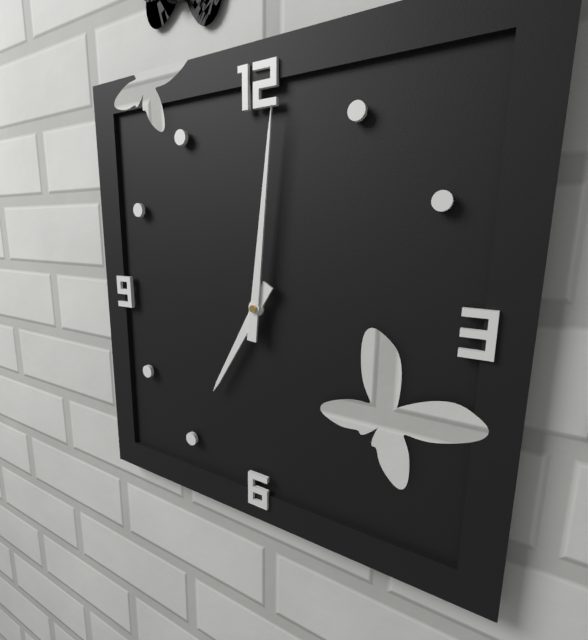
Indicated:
7:01
